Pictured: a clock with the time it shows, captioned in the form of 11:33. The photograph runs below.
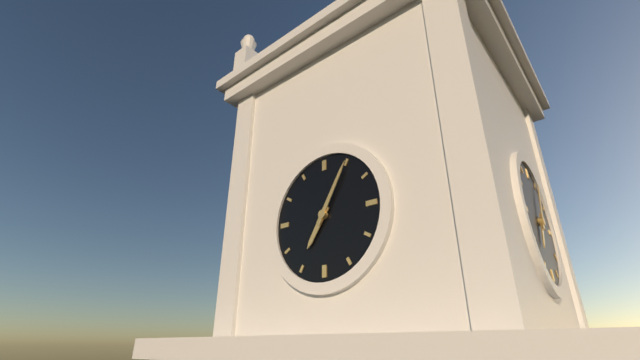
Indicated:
7:05
